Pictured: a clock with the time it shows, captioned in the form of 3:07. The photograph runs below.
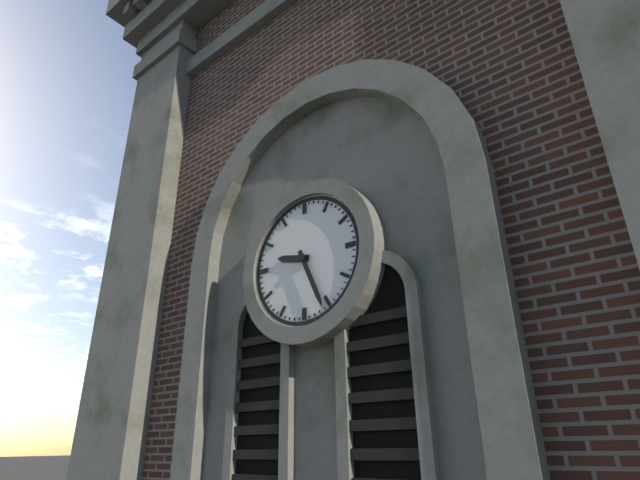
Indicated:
9:26
